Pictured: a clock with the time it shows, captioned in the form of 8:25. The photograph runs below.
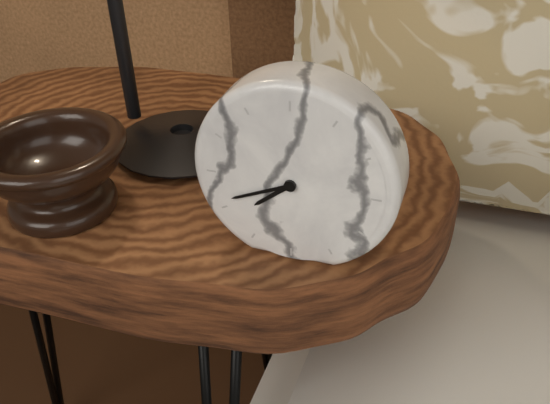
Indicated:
7:41
